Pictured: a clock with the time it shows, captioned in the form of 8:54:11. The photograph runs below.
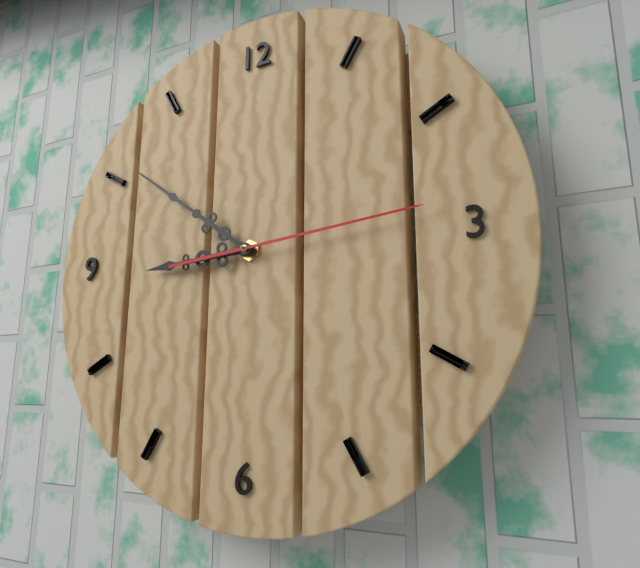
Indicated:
8:51:14
